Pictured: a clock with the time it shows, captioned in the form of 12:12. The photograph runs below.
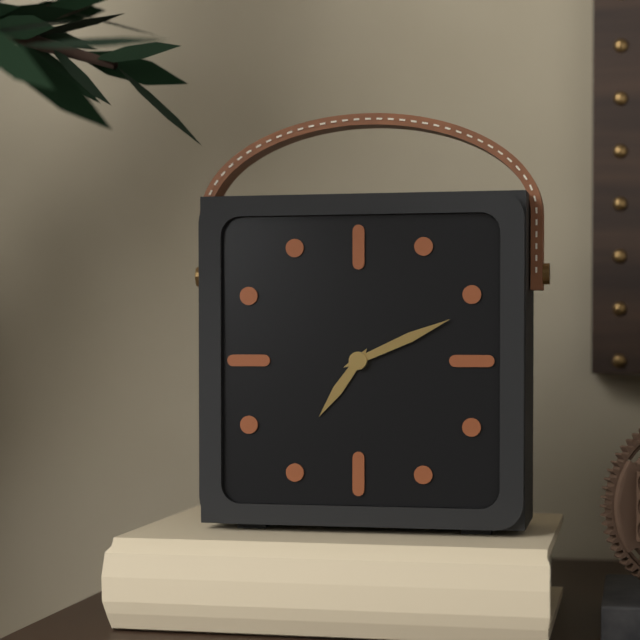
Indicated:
7:11
